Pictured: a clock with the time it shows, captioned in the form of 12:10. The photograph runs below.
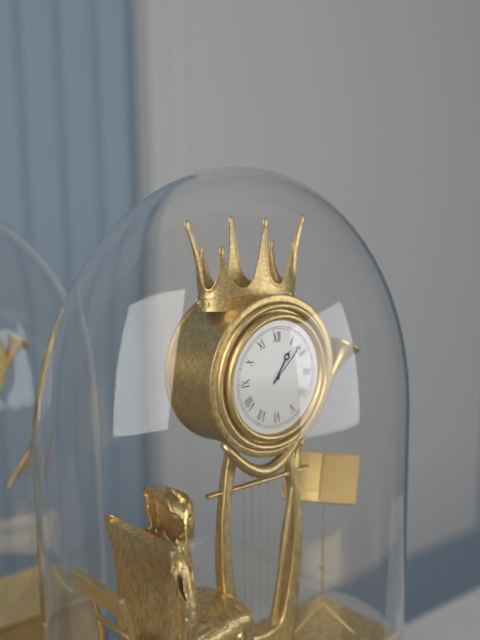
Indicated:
1:08
